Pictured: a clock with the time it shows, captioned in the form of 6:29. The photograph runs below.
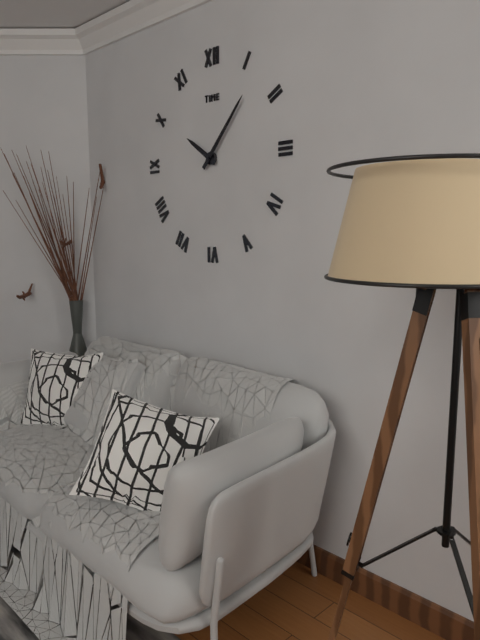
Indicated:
10:07
